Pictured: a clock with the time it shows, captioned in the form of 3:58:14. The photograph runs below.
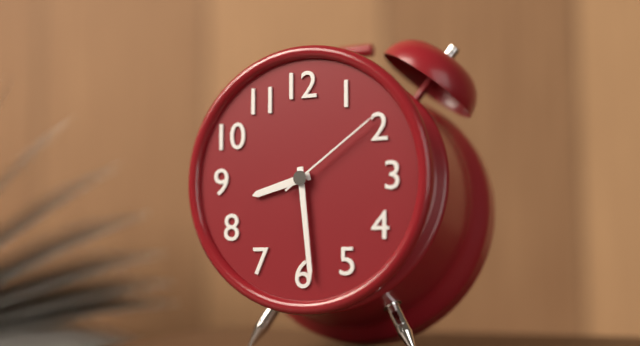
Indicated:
8:29:09
